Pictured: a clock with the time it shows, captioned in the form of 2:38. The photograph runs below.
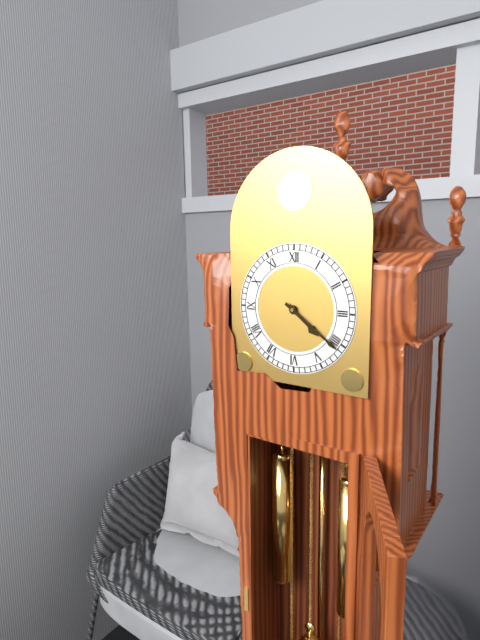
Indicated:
4:21
